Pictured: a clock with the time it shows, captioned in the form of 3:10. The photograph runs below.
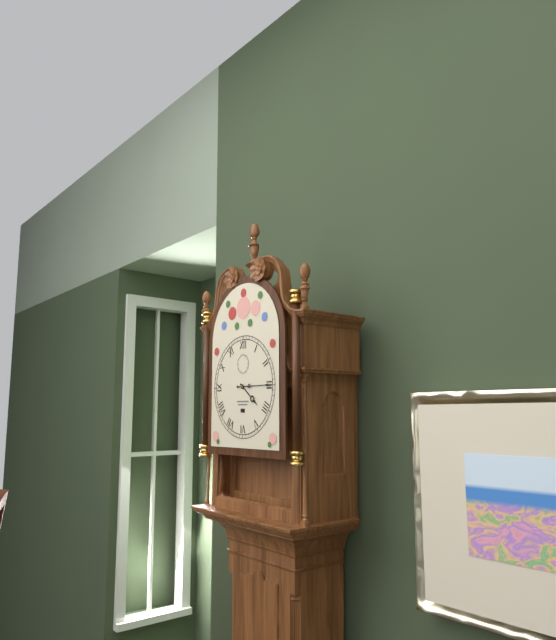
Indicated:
4:15
